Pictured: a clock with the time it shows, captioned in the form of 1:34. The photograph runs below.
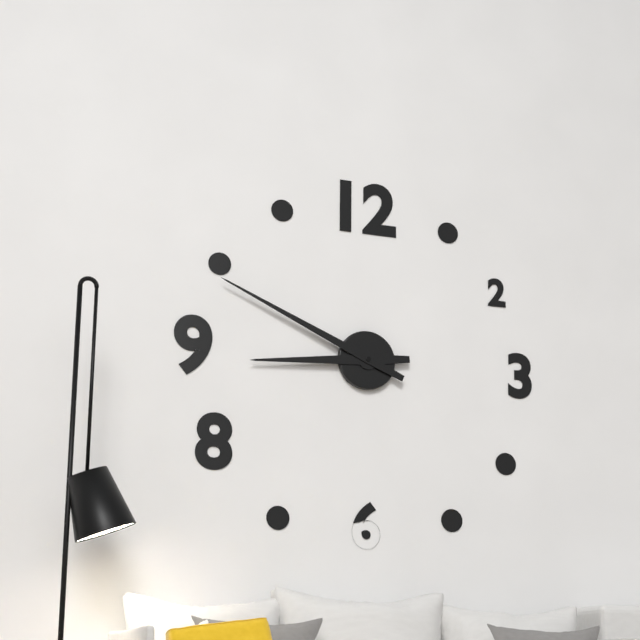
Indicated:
8:49
